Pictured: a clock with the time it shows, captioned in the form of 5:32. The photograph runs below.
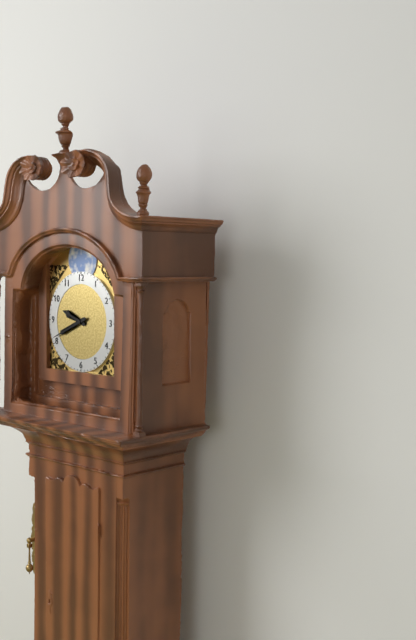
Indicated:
9:41
